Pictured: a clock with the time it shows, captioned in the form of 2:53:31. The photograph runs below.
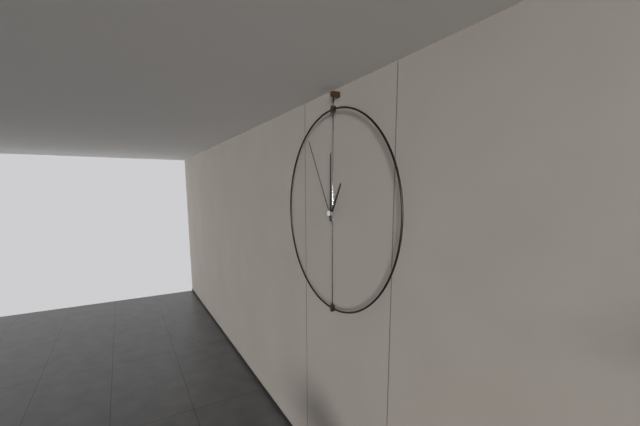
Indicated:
1:00:55
